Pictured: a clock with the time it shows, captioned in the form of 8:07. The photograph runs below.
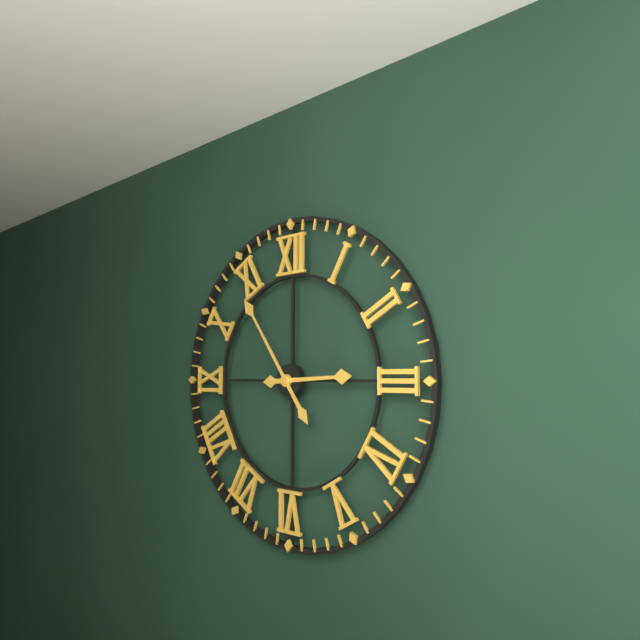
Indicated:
2:54
